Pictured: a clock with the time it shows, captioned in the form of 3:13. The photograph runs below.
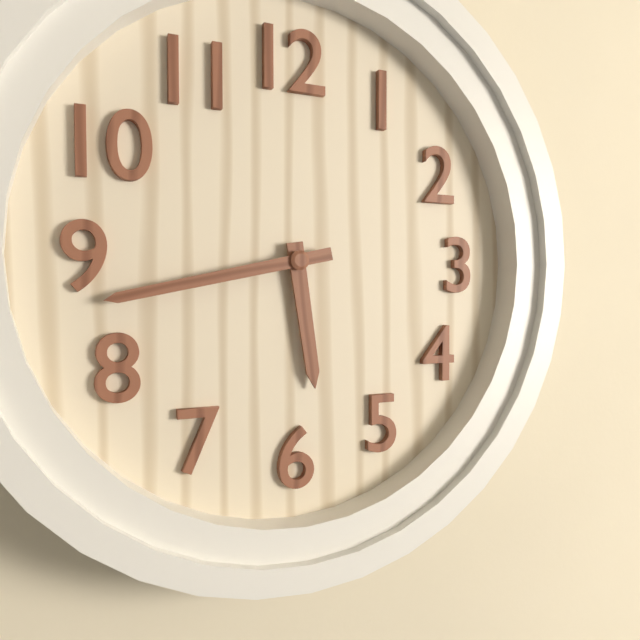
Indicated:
5:43
